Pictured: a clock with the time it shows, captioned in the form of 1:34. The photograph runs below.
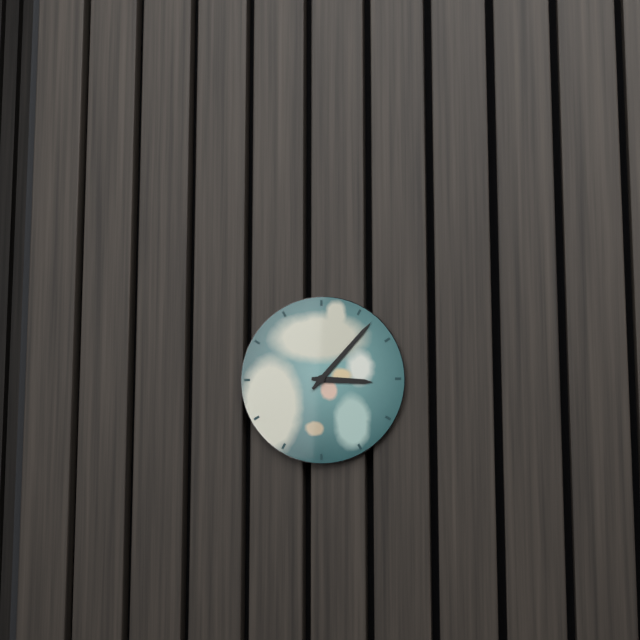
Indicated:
3:07
